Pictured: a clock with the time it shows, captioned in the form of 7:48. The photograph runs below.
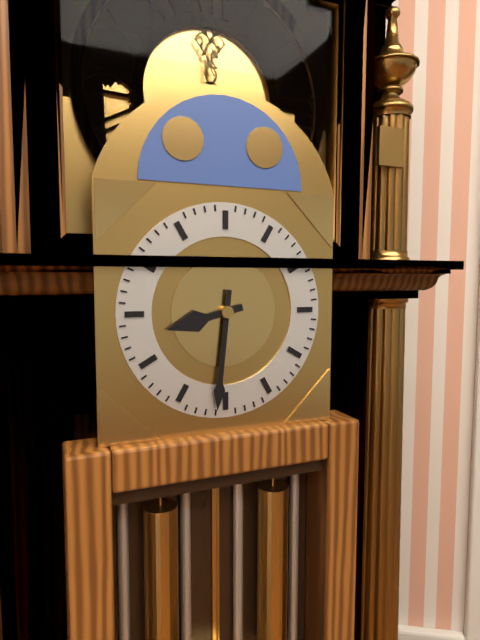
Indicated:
8:31
